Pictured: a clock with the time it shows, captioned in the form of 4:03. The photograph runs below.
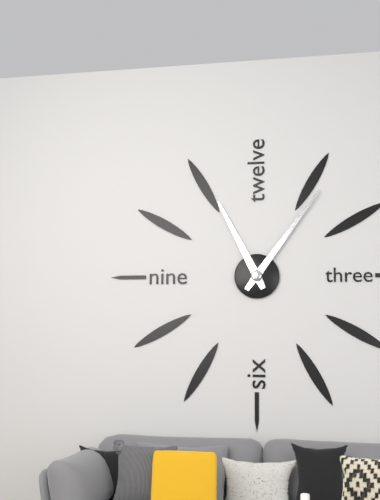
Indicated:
11:06
